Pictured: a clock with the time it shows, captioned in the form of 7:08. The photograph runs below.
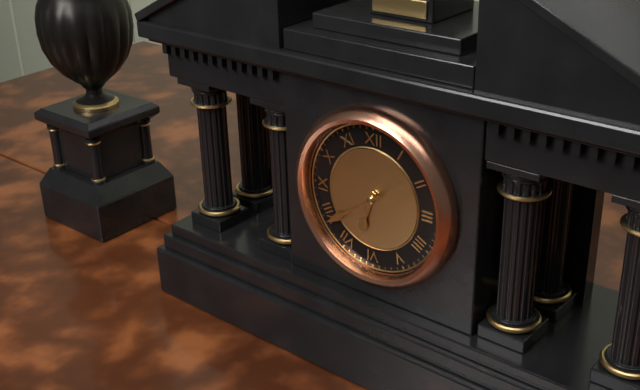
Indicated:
6:39
